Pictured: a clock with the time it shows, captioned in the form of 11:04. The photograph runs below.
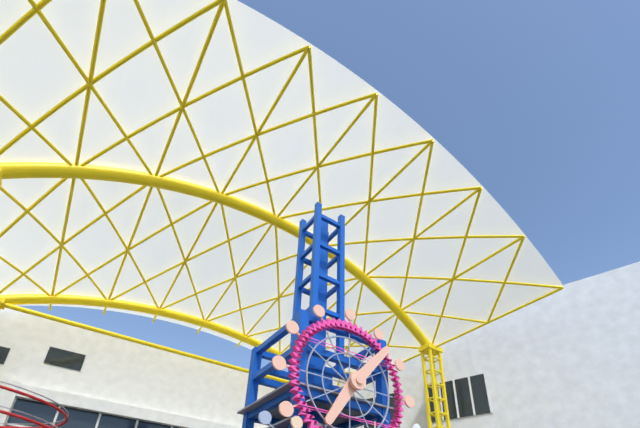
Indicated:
7:07
